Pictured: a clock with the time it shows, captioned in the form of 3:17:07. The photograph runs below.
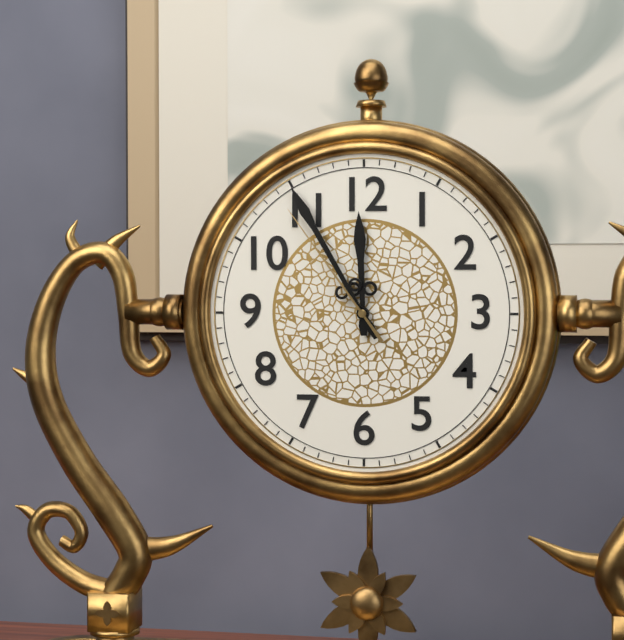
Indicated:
11:55:54
